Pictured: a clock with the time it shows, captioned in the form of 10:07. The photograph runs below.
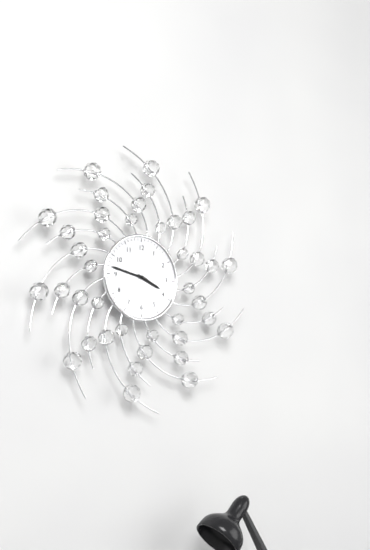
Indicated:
3:47
